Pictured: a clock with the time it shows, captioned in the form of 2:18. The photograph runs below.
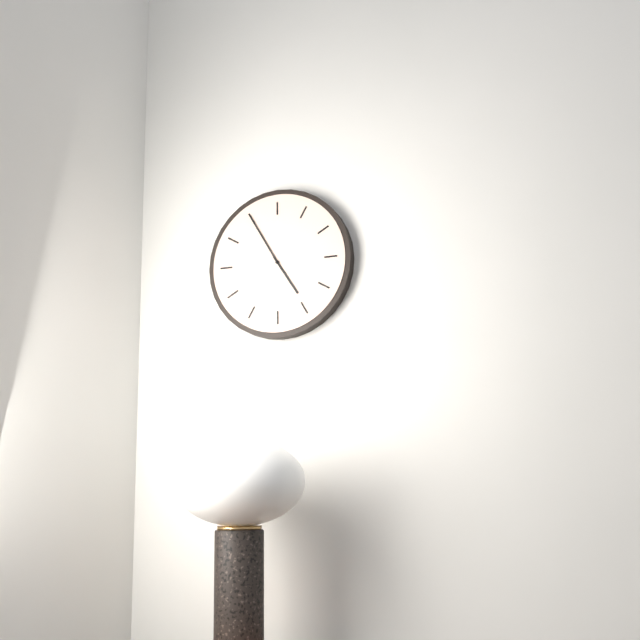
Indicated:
4:55
